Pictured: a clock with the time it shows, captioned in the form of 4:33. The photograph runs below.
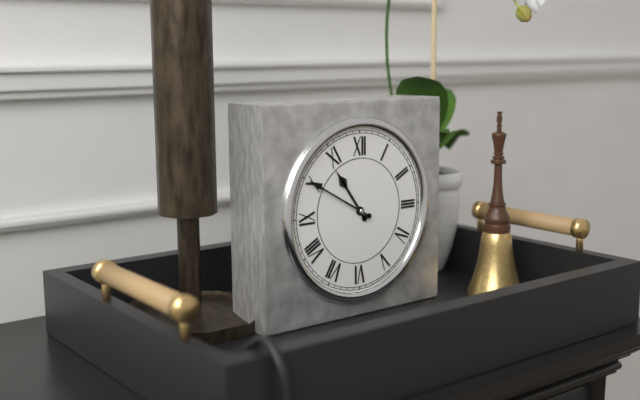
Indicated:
10:50
